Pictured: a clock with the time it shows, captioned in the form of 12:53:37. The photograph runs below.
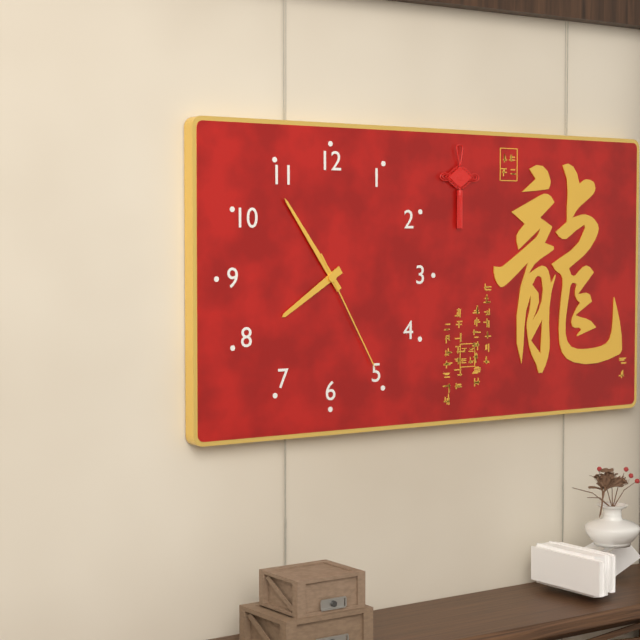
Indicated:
7:54:25
